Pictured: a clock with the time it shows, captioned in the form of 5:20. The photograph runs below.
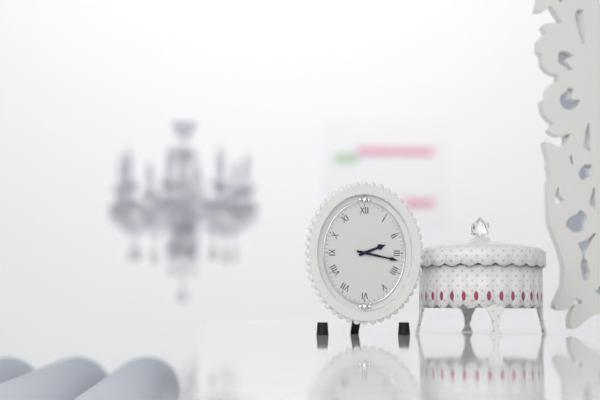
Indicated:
2:17
